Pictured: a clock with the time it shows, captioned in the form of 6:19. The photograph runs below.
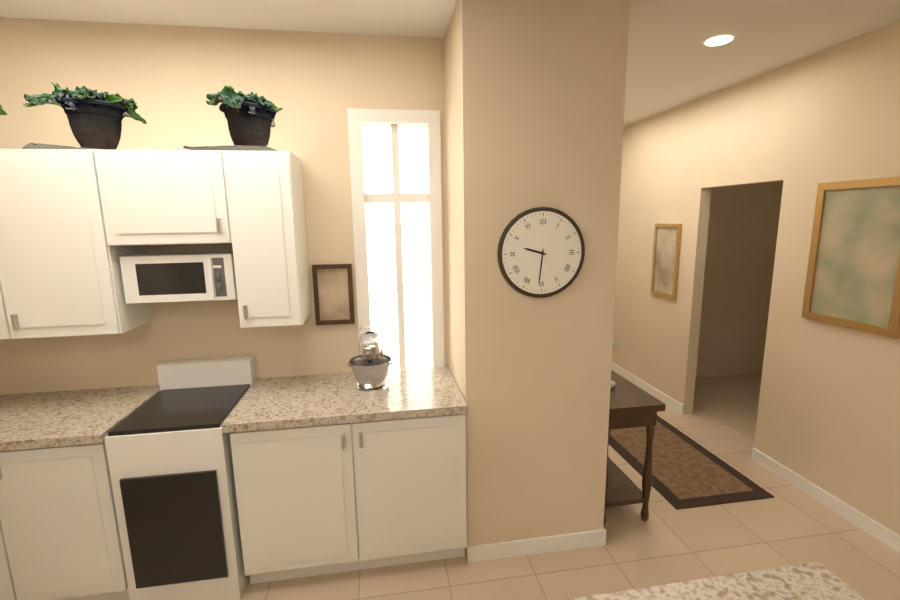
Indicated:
9:31
